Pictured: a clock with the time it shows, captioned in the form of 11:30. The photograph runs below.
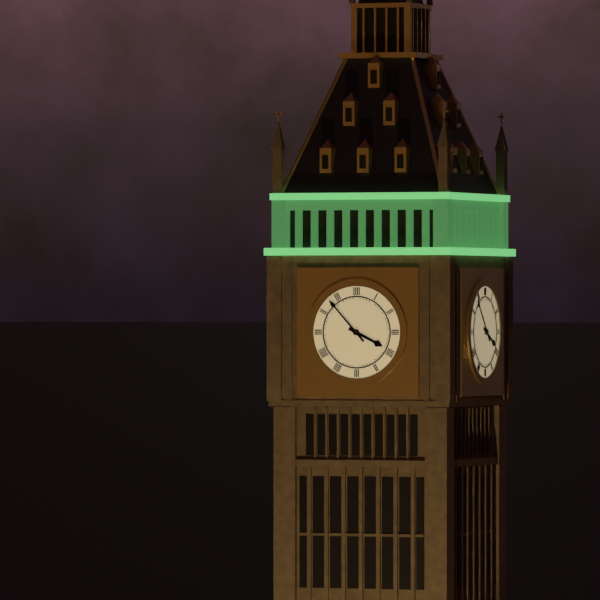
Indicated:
3:53
